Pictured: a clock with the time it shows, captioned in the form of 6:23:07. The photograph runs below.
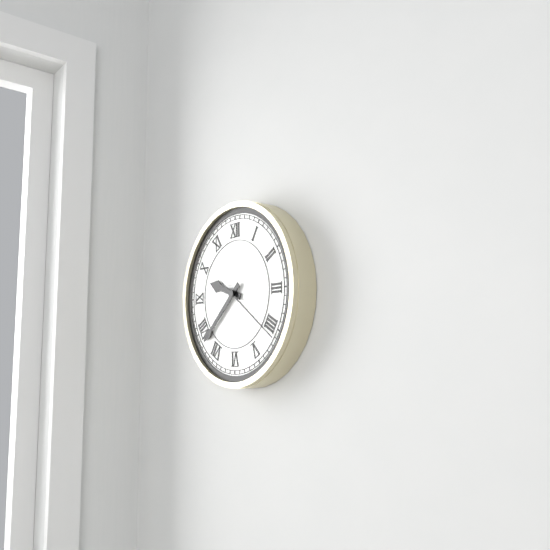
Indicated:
9:38:21
